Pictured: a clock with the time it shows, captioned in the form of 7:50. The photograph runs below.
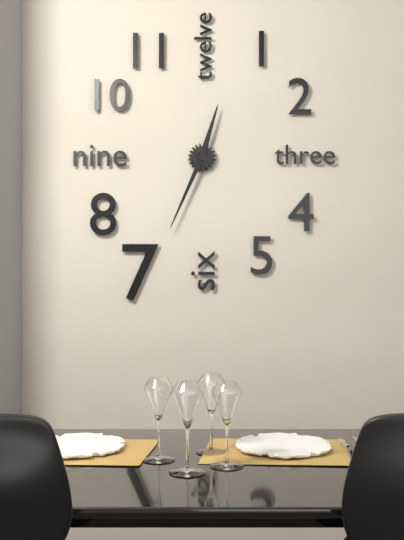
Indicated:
12:34
